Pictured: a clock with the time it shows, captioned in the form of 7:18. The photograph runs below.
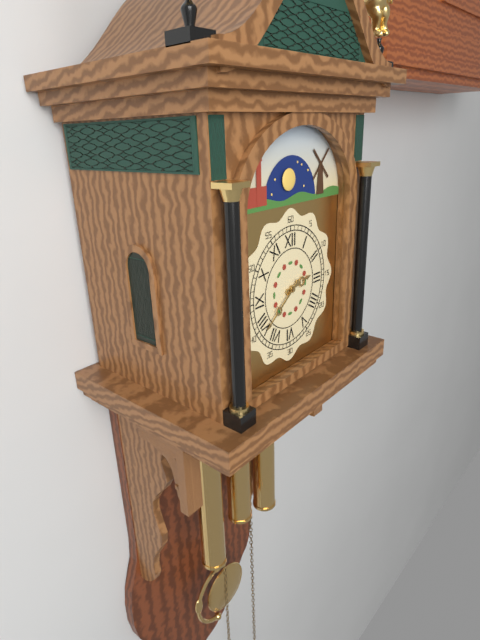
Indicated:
2:39
